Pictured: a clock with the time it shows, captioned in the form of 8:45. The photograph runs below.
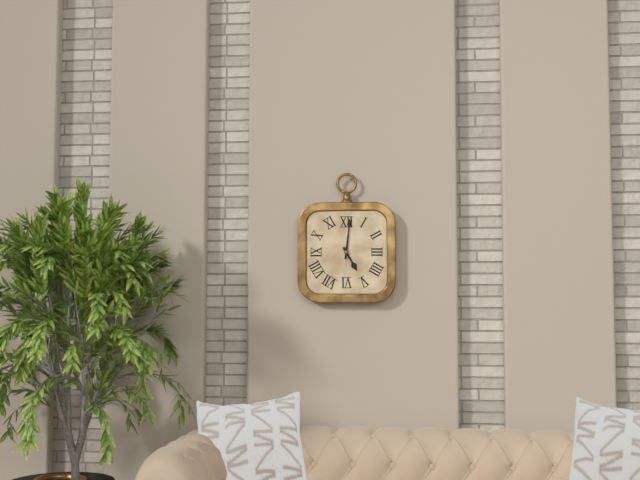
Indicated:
5:01
